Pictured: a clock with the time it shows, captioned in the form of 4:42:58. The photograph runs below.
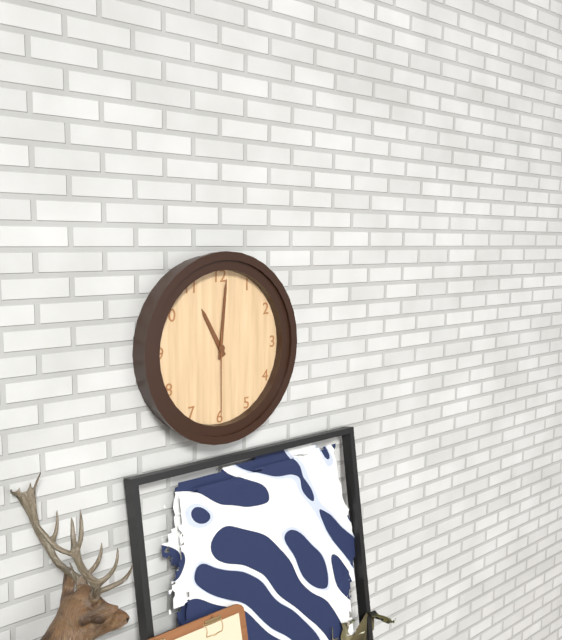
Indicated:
11:01:30
